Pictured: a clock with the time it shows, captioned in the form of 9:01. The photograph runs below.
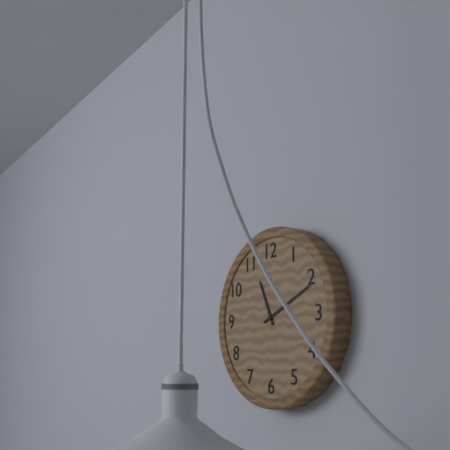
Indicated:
11:11
